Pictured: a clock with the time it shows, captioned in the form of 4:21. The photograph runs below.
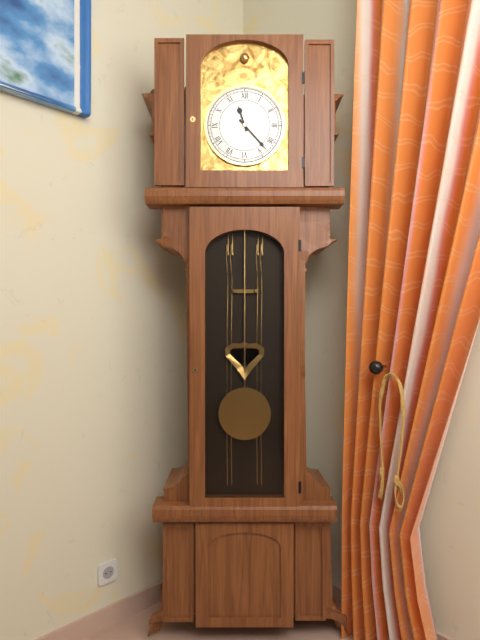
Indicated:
11:23
